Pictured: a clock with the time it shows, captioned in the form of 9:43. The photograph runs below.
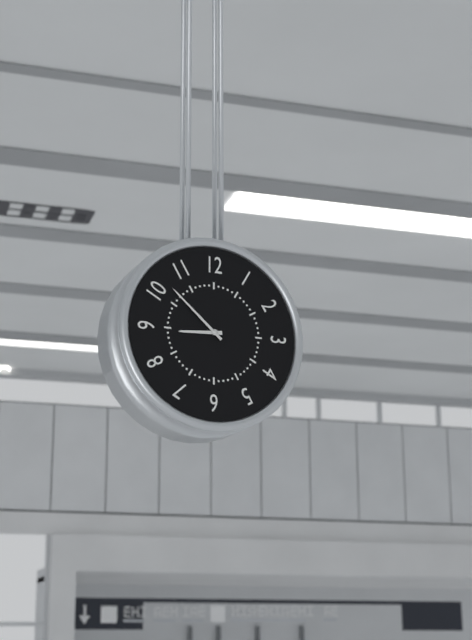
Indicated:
8:52
